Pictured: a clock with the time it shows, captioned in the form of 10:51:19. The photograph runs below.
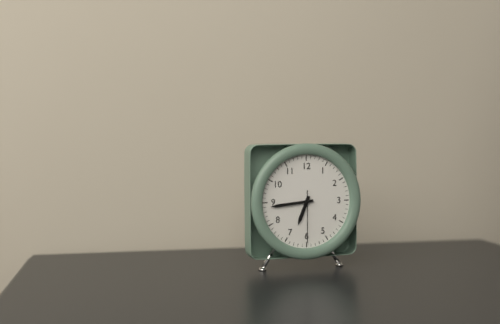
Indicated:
6:44:30
